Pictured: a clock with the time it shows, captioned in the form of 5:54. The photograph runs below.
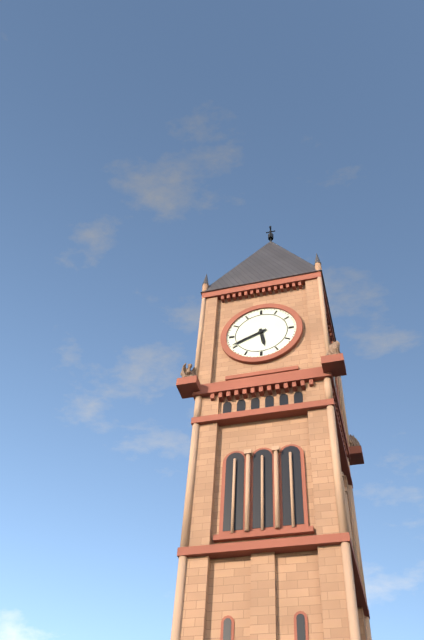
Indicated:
5:41
